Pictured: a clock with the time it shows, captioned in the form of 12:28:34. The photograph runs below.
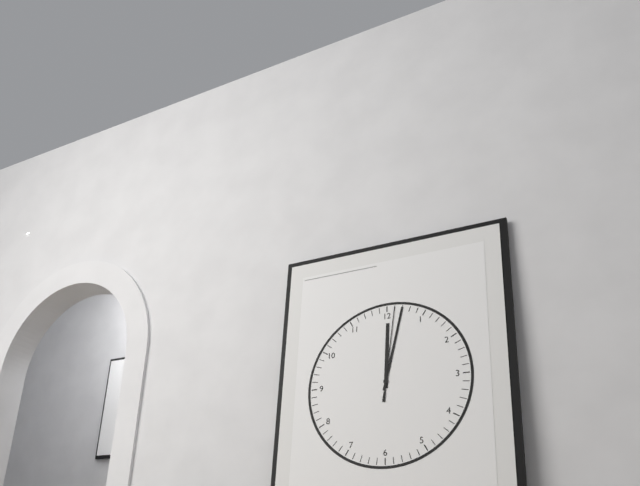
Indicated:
12:02:01
